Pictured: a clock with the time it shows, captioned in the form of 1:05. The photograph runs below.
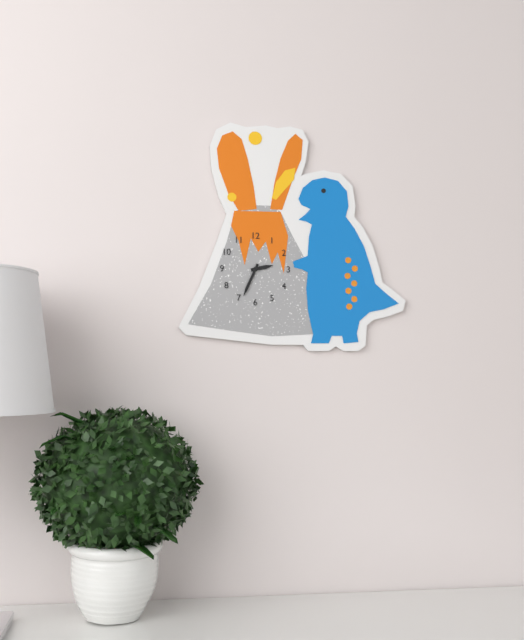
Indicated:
2:34
